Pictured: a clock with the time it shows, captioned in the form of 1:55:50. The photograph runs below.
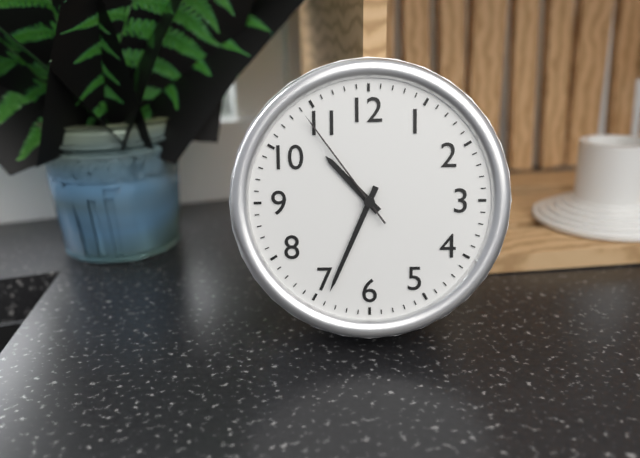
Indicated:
10:34:54
